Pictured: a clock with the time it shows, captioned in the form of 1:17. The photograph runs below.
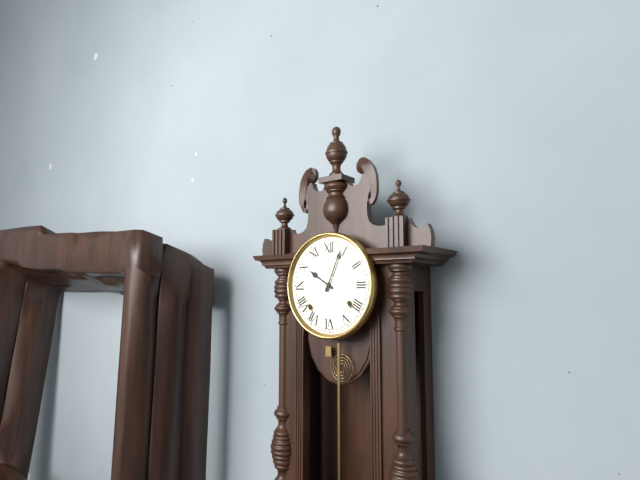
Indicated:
10:04
